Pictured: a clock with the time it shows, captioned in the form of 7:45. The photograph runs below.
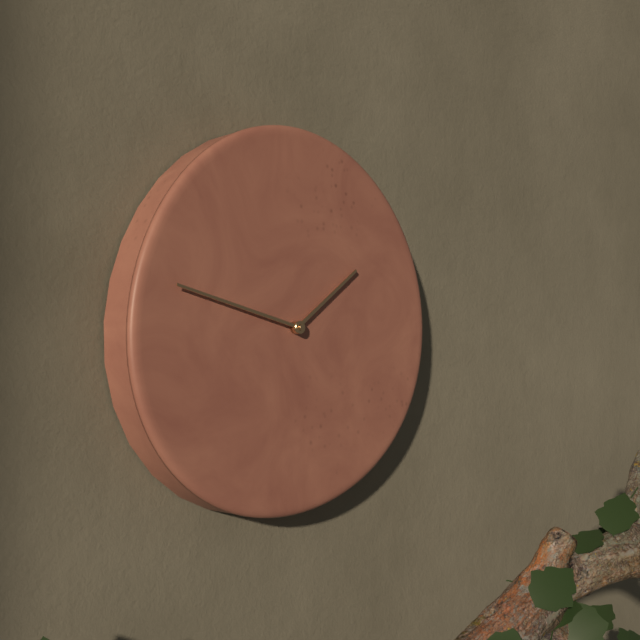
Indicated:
1:47
